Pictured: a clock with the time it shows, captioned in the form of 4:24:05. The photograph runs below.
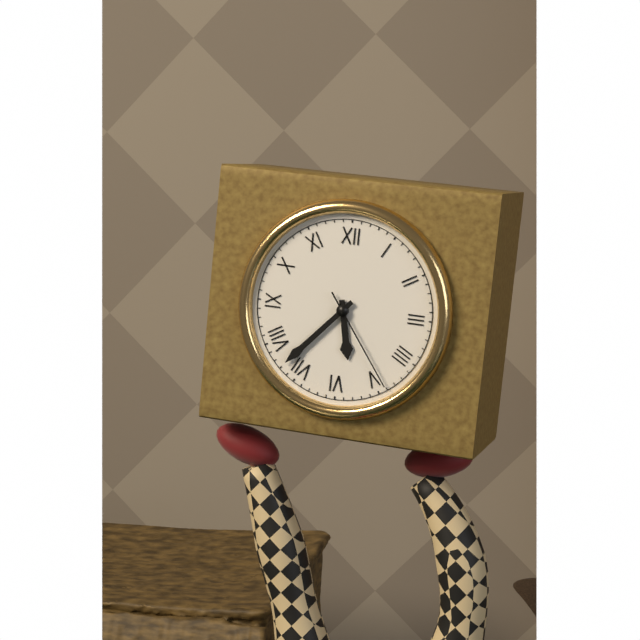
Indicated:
5:37:24
